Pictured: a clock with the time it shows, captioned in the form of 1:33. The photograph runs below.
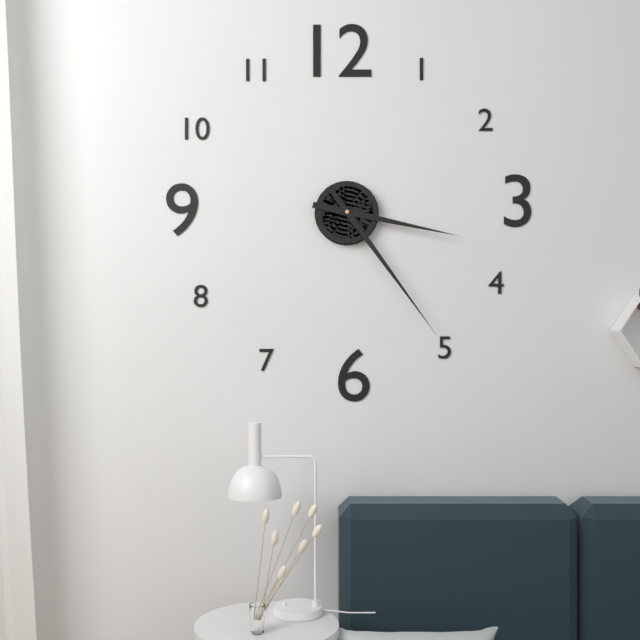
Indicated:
3:24
